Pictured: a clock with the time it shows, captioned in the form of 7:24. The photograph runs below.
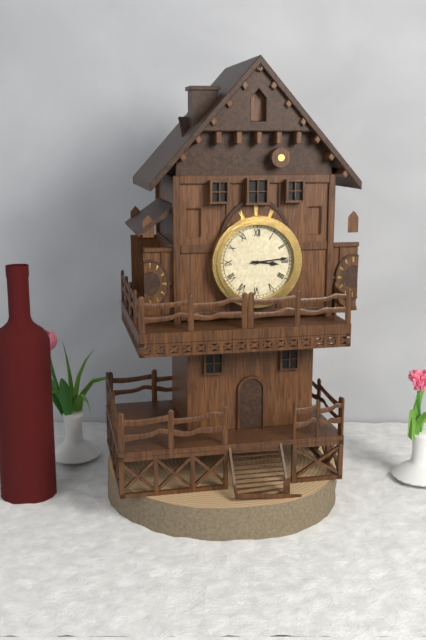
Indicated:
3:14
